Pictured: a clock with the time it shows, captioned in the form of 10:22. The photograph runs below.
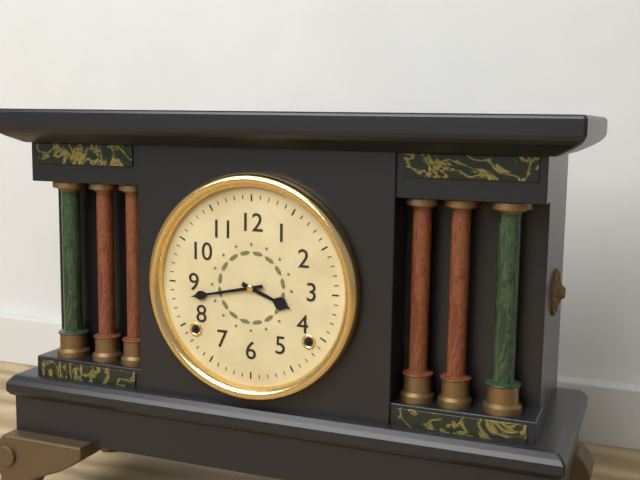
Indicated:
3:43
